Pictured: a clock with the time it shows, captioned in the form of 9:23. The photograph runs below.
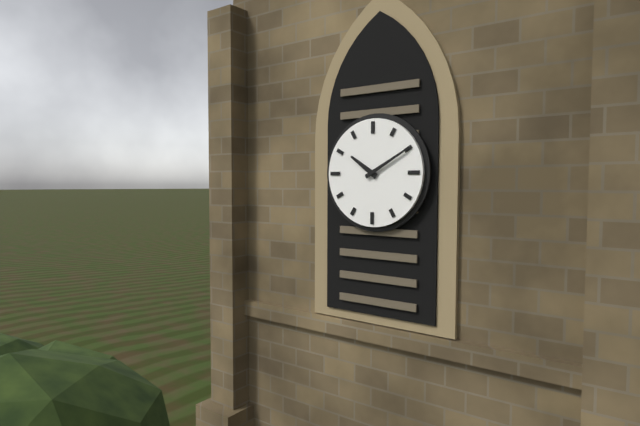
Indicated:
10:10
